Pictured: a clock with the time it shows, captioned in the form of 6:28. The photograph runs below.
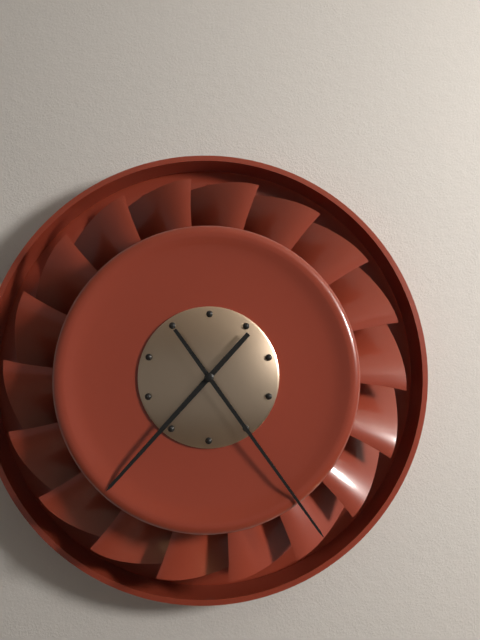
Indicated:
7:24
